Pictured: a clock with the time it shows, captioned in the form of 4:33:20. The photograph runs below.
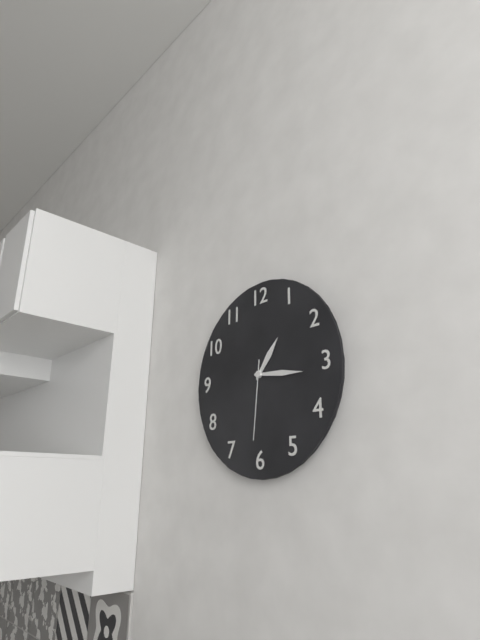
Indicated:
1:16:31
